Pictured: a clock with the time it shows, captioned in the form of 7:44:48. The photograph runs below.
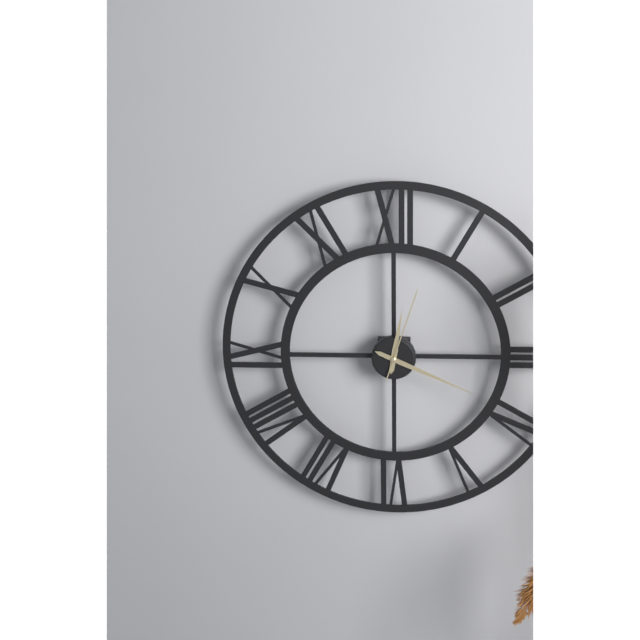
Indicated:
12:19:03
